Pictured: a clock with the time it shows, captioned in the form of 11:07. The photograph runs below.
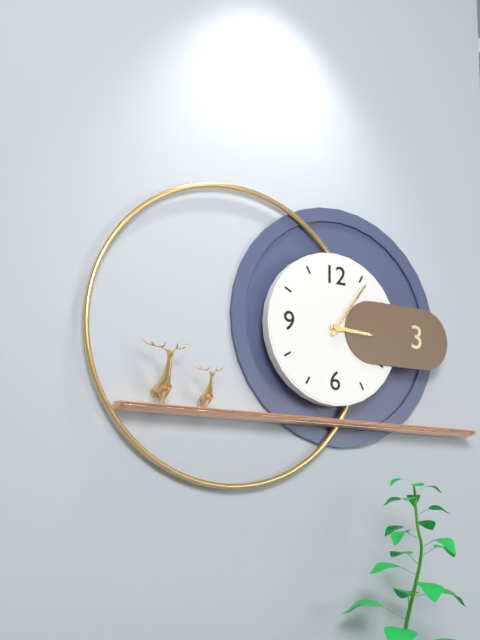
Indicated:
3:06
